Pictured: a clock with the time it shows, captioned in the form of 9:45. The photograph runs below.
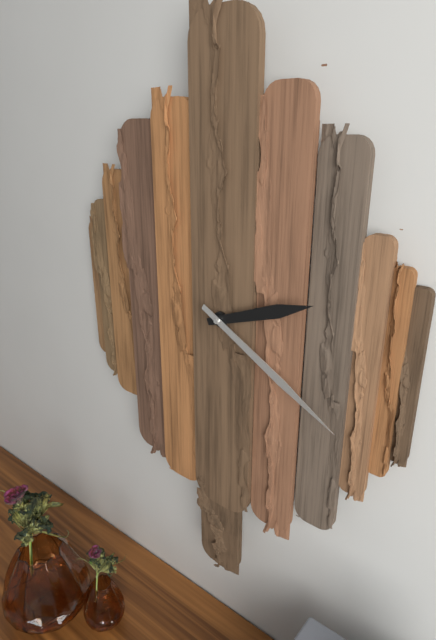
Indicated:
2:20
